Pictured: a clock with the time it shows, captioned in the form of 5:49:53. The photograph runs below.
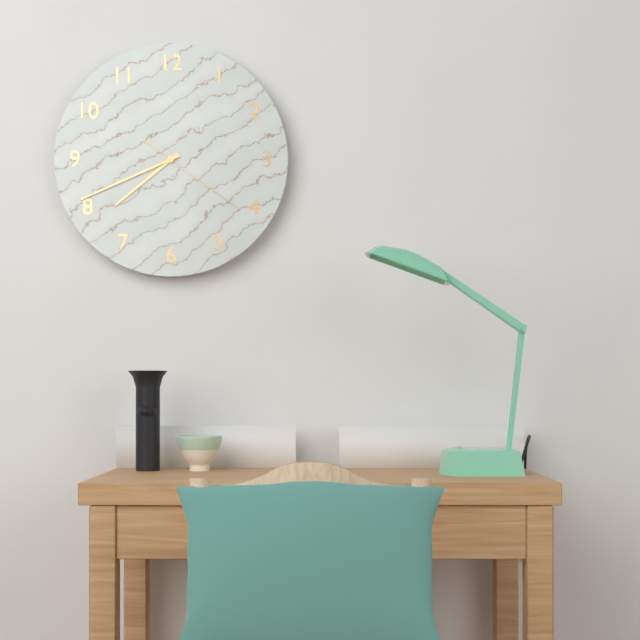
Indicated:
7:41:21
